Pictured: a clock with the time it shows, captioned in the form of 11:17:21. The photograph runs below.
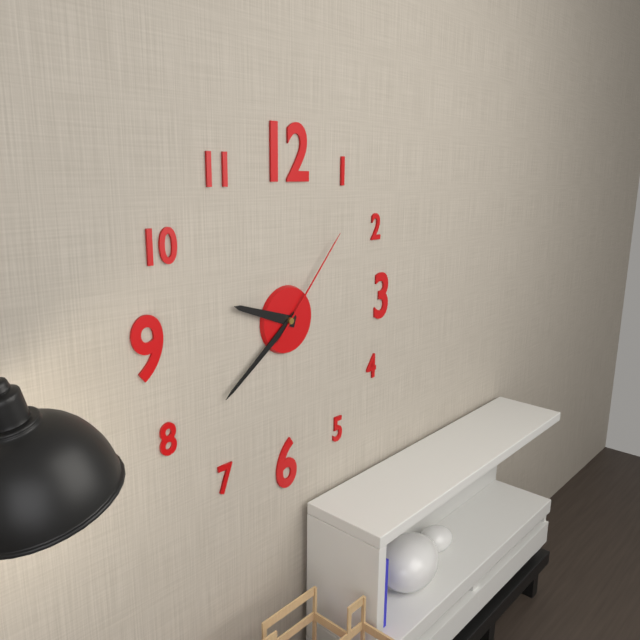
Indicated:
9:39:07
